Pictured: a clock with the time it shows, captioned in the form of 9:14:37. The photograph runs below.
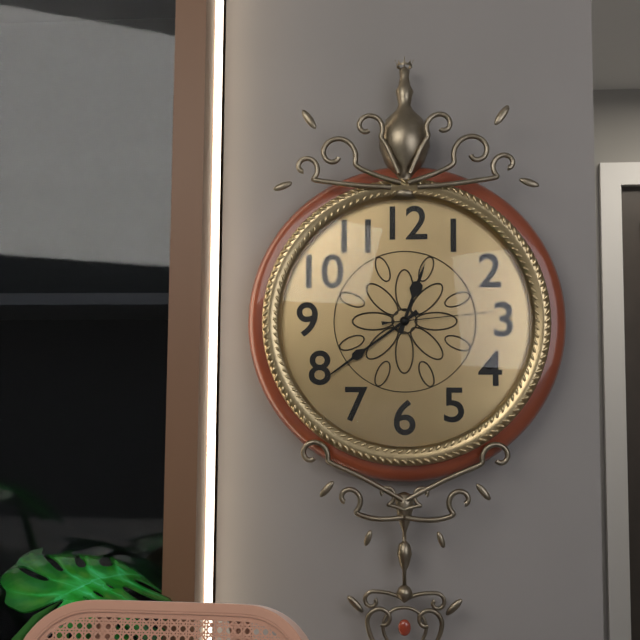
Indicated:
12:39:14
